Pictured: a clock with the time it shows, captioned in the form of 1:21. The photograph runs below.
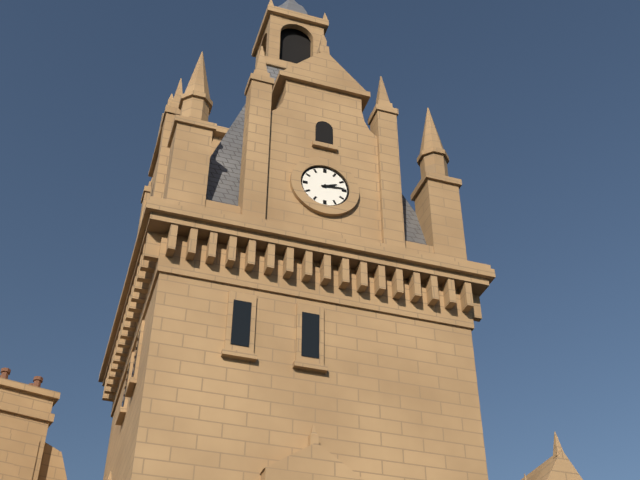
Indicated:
2:14
